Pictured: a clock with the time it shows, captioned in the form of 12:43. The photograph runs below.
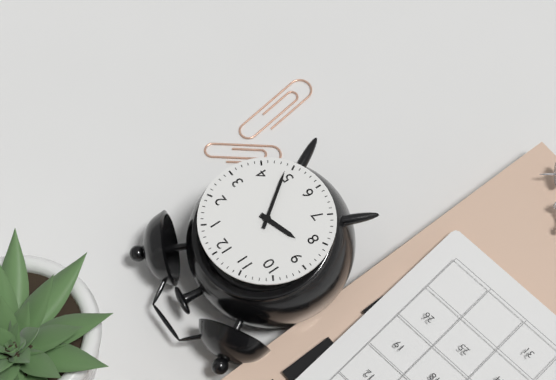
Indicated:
8:24
